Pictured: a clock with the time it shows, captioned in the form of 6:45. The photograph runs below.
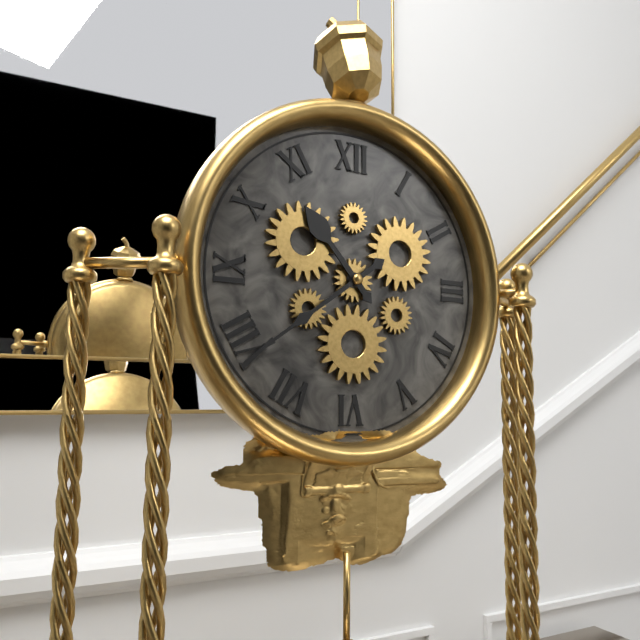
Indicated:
10:39
